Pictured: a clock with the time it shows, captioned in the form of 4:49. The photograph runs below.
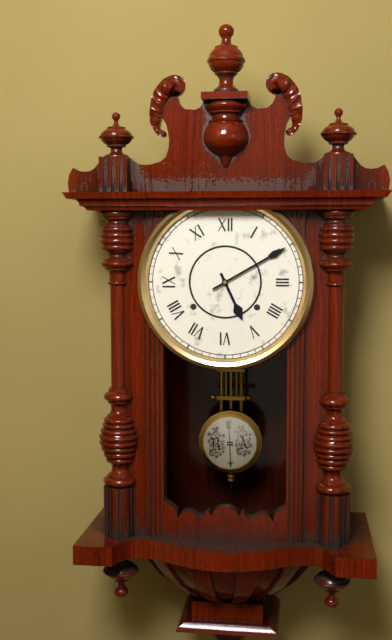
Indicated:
5:10
